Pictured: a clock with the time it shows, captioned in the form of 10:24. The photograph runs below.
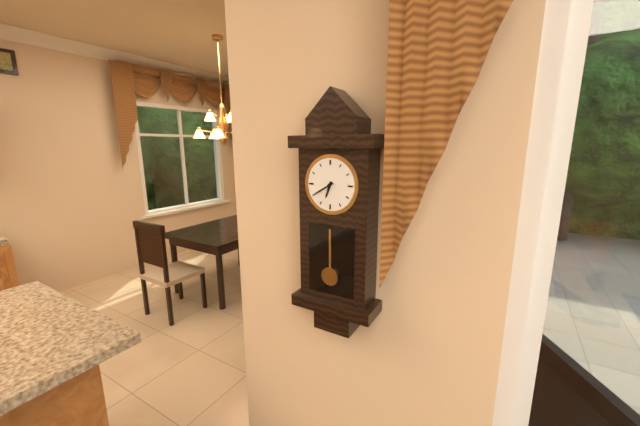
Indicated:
6:40
